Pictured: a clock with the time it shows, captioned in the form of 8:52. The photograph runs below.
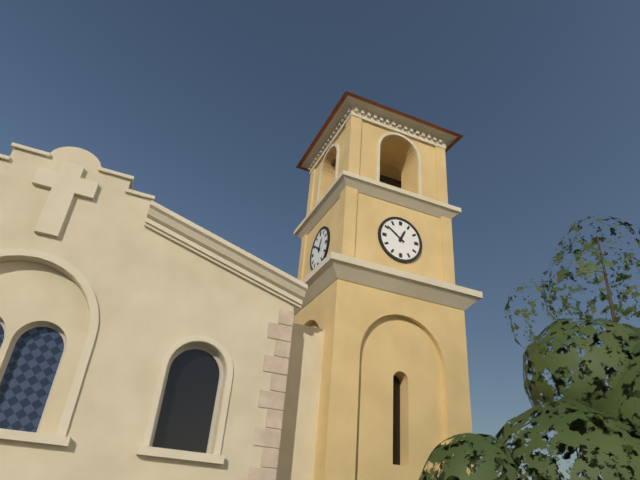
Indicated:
12:51
